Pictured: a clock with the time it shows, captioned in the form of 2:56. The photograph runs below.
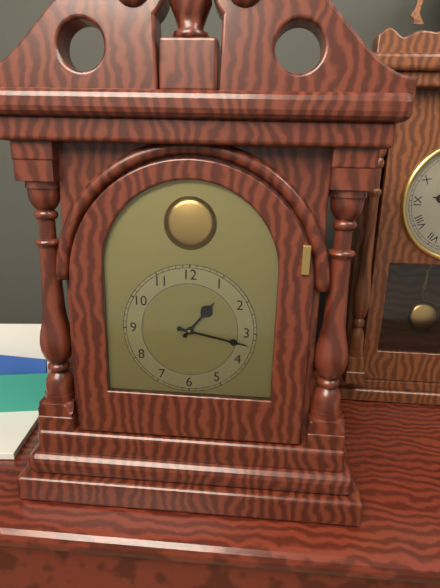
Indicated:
1:17
